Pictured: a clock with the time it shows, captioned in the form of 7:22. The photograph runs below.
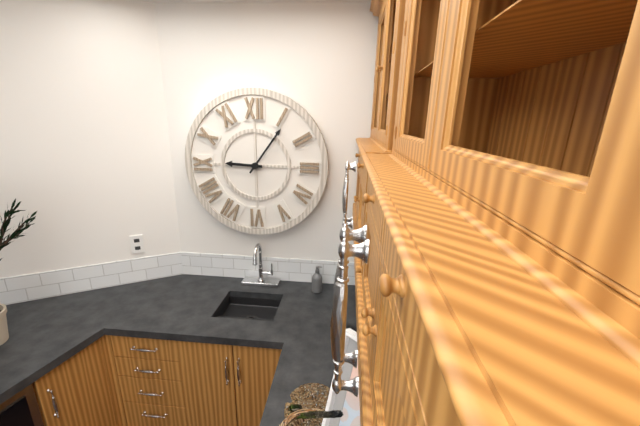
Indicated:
9:06
